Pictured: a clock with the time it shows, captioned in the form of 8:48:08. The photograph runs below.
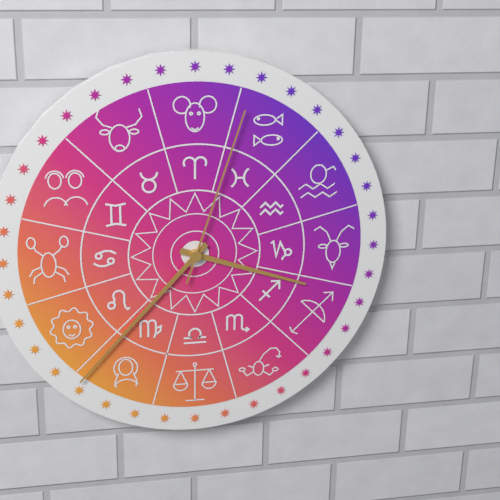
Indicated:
3:37:03
